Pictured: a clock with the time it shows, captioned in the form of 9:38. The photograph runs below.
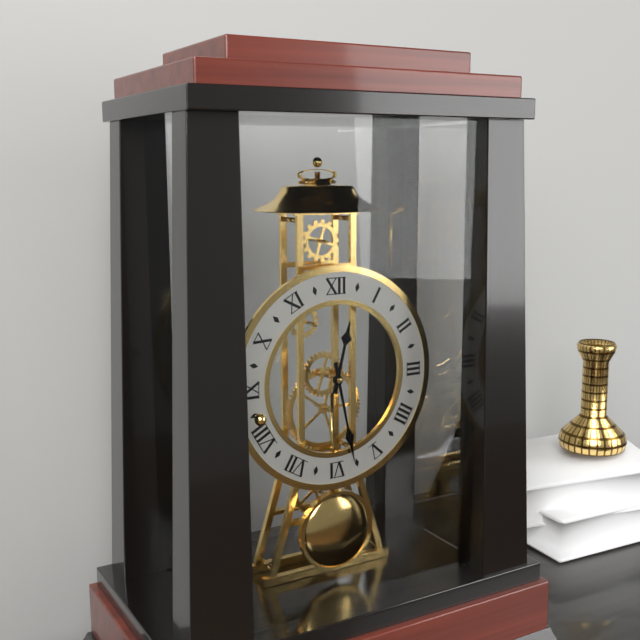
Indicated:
12:28
